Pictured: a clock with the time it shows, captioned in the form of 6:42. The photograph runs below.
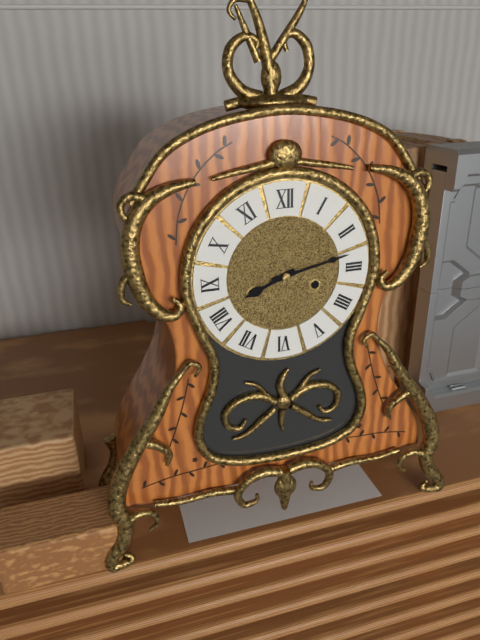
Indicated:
8:13
